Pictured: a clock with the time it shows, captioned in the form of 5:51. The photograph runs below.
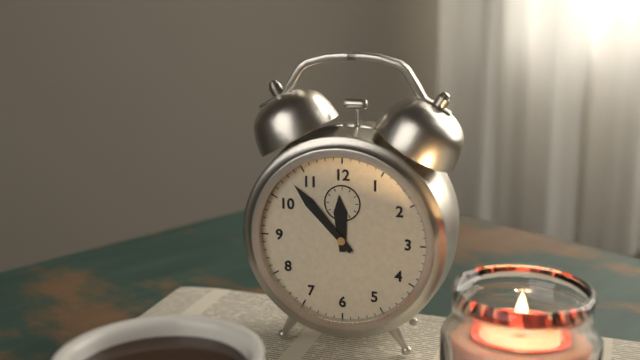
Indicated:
11:53
